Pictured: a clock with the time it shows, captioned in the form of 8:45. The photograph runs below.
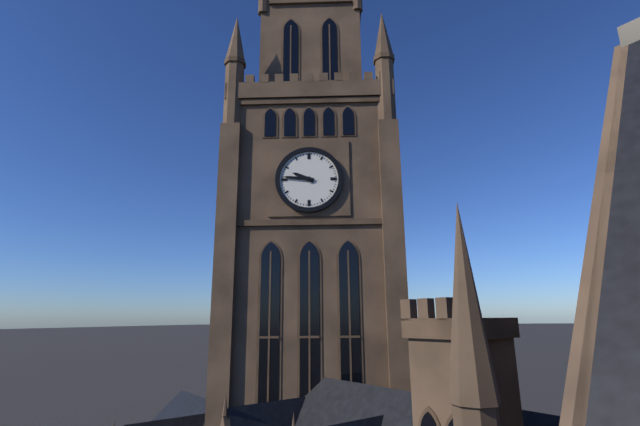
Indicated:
9:46
